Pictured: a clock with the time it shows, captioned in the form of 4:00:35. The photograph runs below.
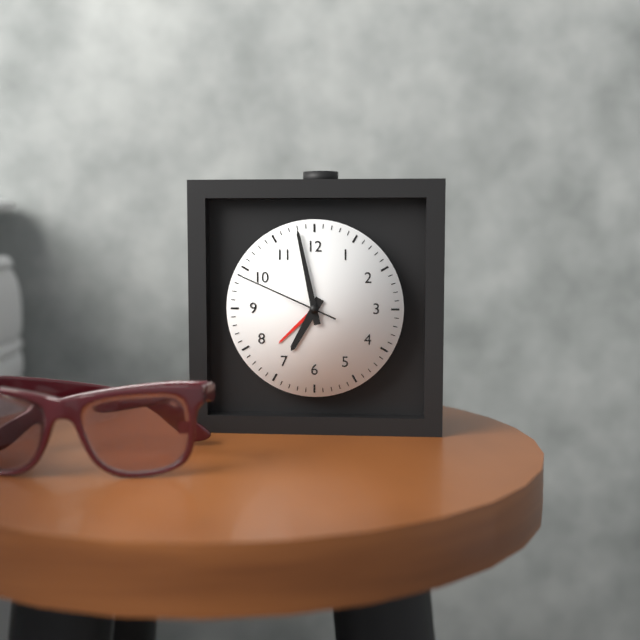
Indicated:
6:58:49
